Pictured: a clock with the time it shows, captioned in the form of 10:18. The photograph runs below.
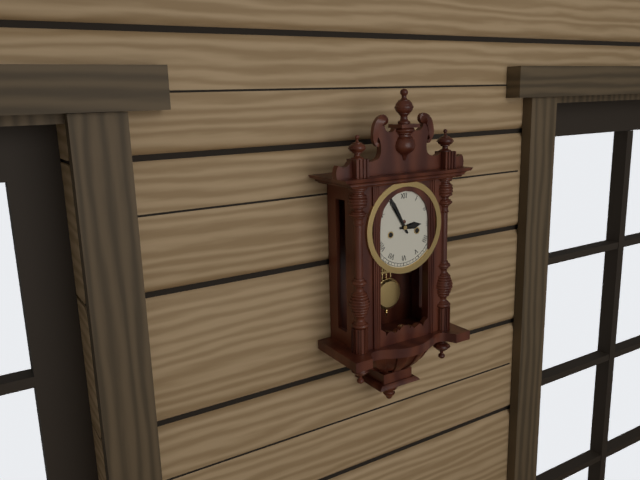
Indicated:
2:55
